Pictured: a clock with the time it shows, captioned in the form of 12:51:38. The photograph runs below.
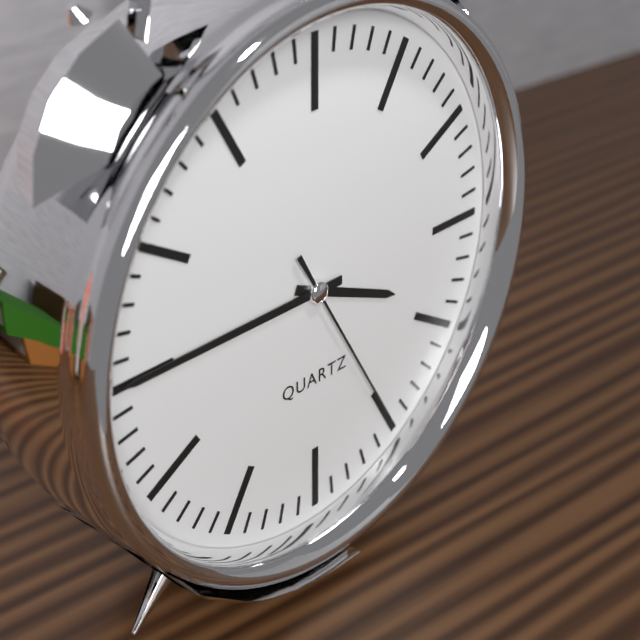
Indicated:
3:45:25
